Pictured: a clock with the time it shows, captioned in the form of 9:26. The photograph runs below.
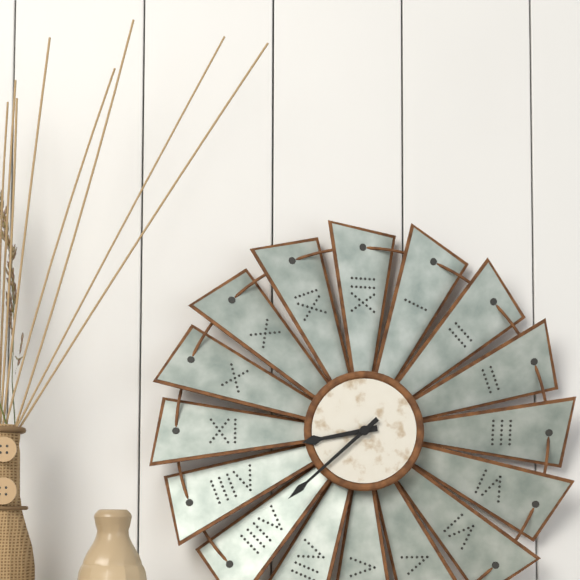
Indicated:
8:38
